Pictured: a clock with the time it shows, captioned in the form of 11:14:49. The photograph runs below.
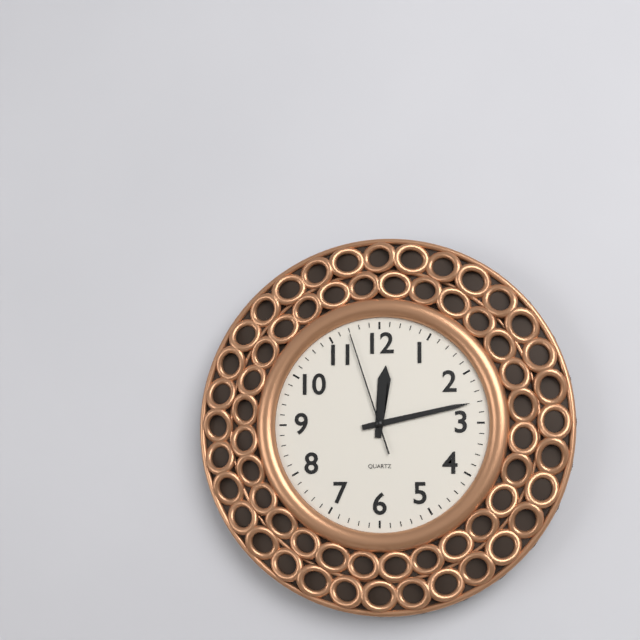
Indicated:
12:13:57
